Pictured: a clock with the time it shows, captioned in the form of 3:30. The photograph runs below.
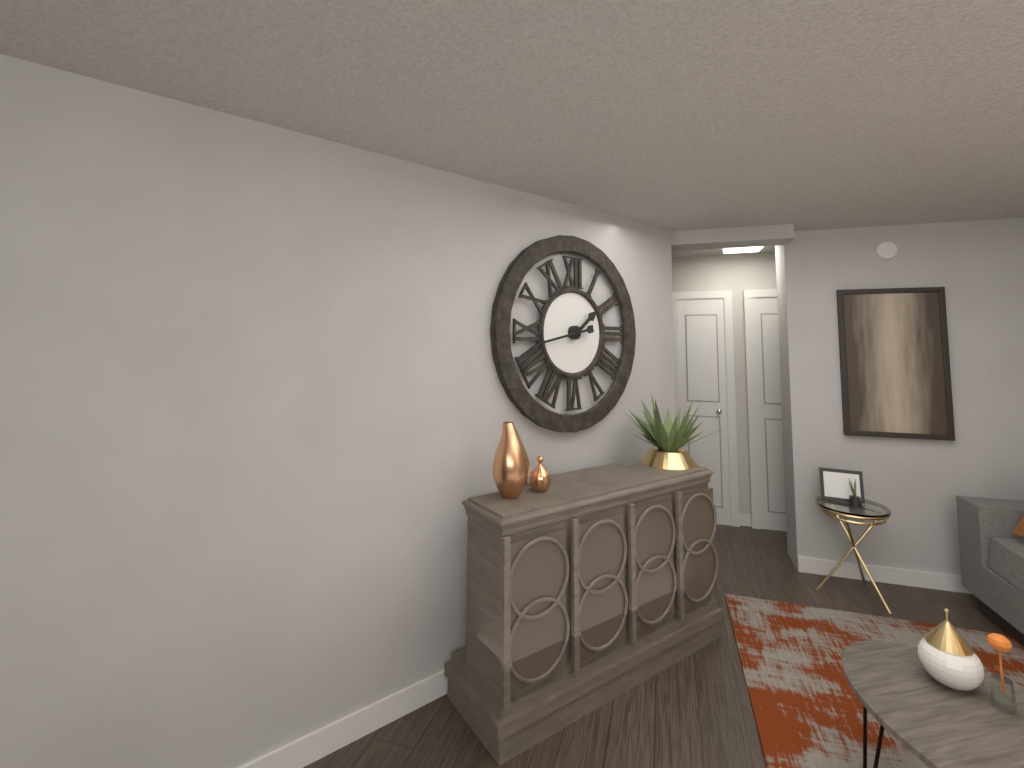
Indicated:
1:43
